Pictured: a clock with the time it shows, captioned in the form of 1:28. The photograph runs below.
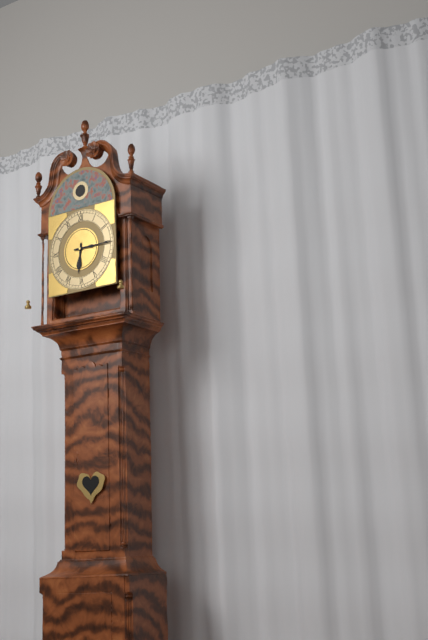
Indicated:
6:15
